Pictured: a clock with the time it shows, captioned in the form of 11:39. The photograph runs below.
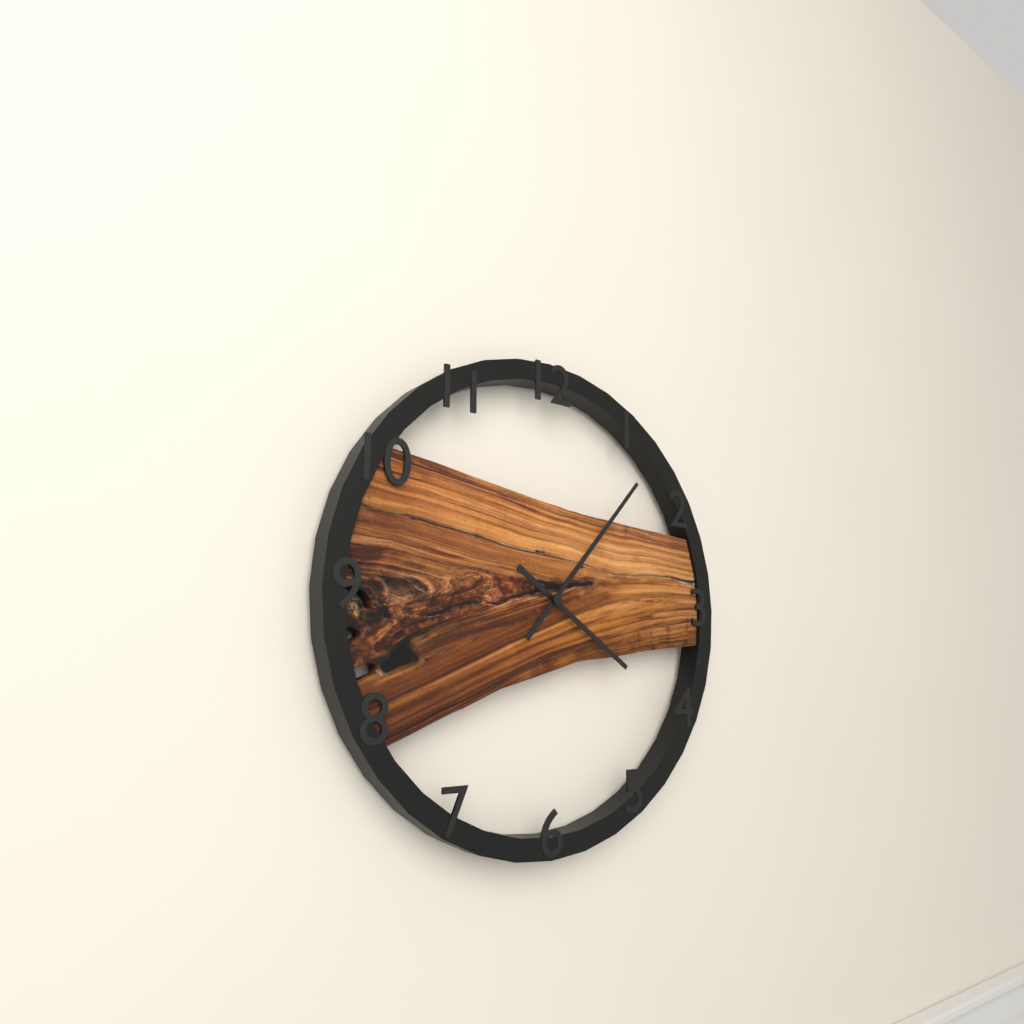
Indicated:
4:07
